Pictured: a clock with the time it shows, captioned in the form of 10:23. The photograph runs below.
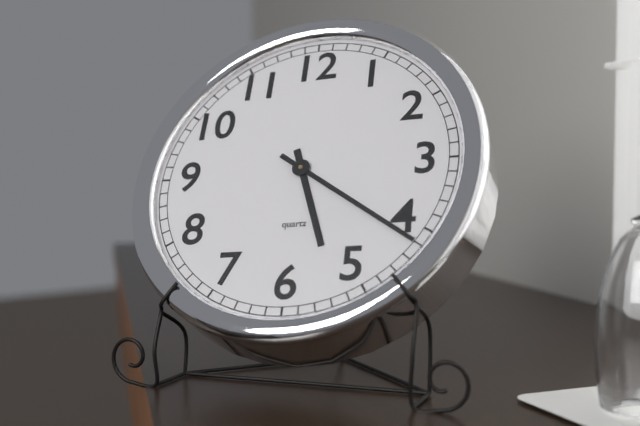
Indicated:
5:21
